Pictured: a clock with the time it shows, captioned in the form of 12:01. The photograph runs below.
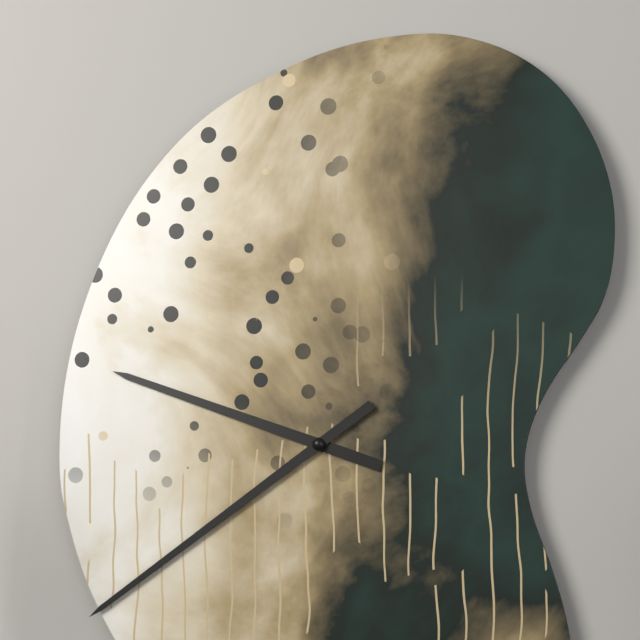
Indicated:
9:39
